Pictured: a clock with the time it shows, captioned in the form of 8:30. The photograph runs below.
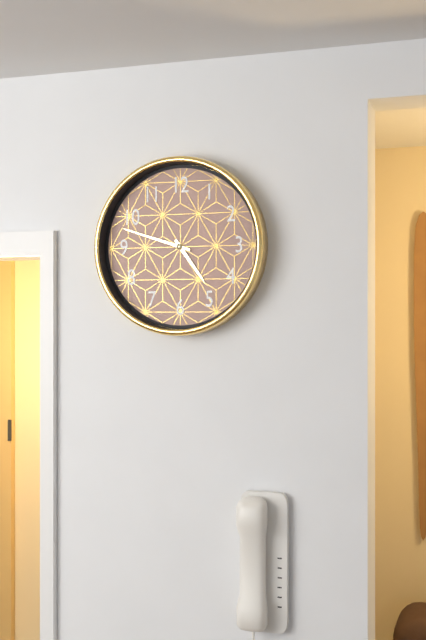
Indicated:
4:48
